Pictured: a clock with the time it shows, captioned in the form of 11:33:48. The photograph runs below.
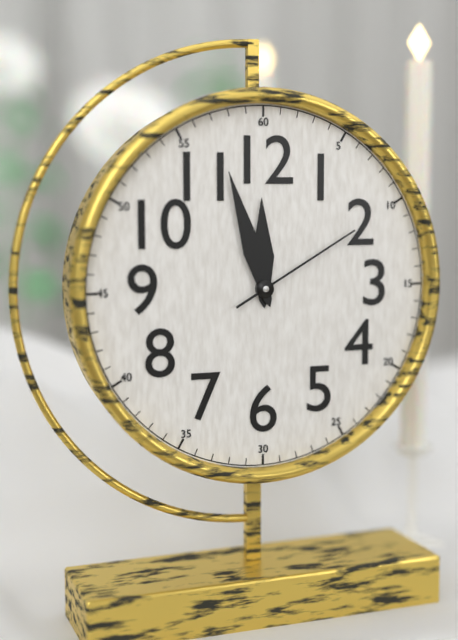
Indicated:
11:57:10
